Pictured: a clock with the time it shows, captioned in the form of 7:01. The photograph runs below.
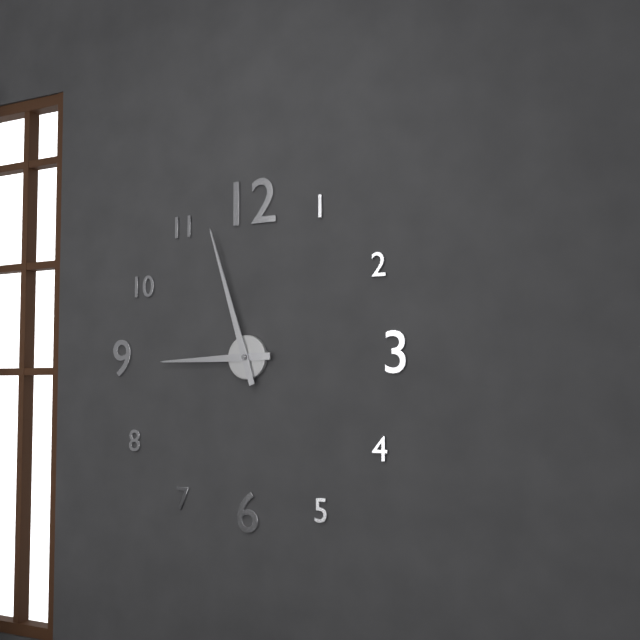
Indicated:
8:57
